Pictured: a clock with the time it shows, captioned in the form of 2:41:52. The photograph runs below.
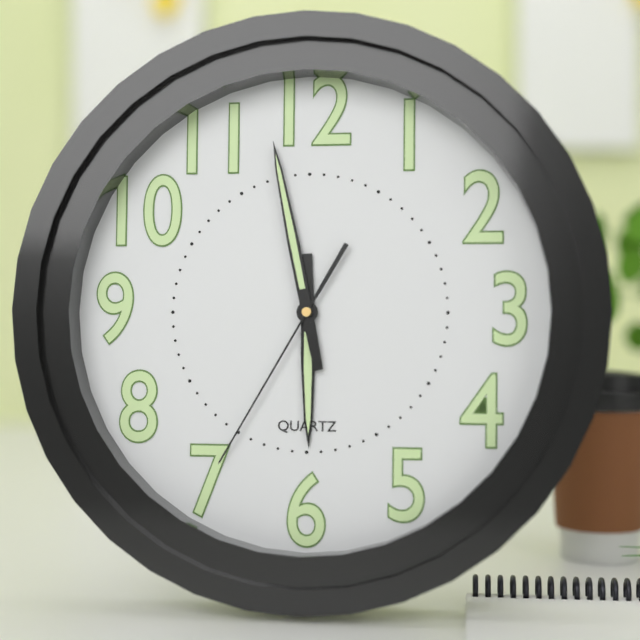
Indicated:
5:58:35
